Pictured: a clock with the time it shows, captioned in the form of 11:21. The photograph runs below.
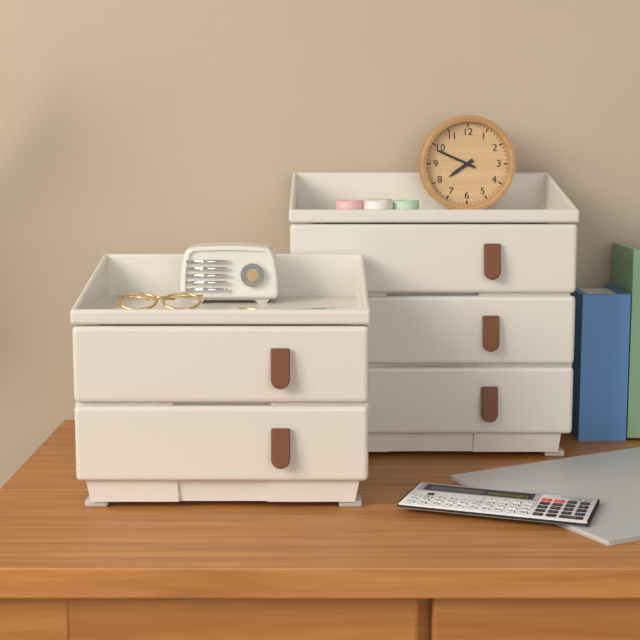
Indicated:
7:49
